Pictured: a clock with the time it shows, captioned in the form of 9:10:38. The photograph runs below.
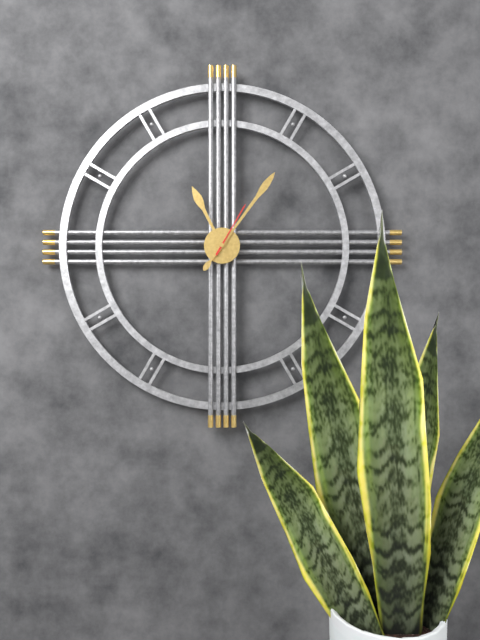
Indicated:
11:06:05
